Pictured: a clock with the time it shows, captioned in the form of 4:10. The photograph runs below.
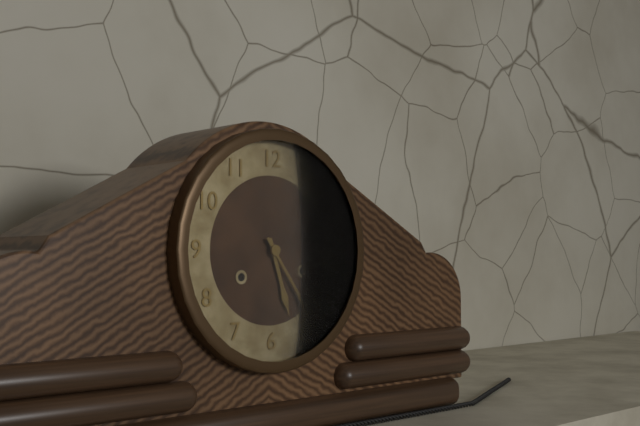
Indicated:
5:24
